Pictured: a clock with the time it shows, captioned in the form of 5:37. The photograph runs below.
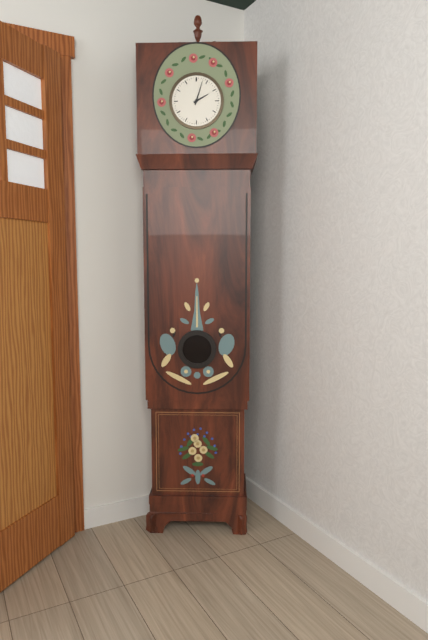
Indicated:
2:03
